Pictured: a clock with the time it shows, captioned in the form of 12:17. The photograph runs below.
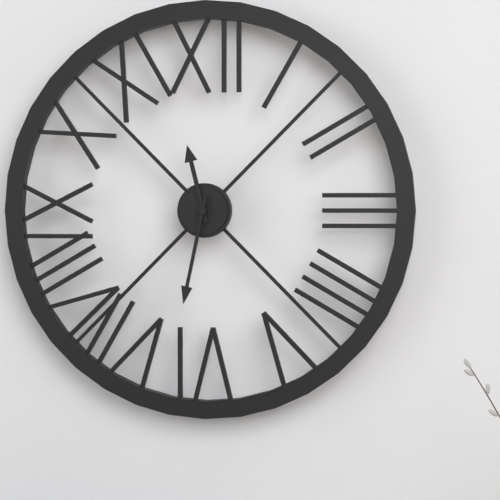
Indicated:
11:32
